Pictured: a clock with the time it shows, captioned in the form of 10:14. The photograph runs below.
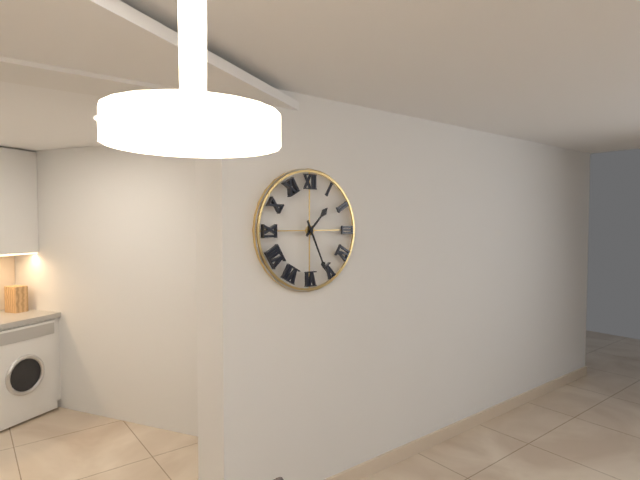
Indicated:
1:26
